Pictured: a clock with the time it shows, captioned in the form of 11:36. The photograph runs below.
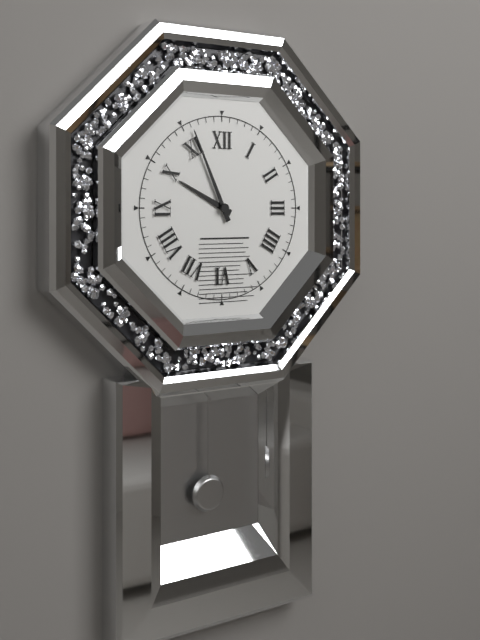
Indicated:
9:56
